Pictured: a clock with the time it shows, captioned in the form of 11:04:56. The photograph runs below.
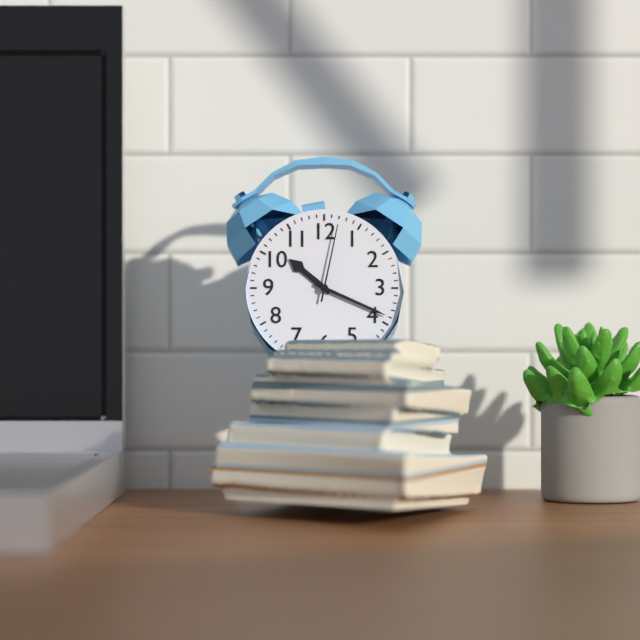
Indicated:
10:19:02
